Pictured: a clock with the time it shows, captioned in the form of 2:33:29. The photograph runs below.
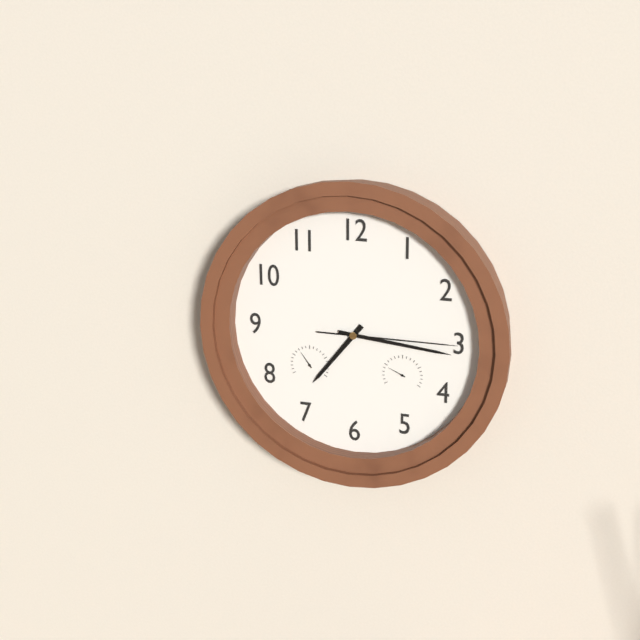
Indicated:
7:16:15
